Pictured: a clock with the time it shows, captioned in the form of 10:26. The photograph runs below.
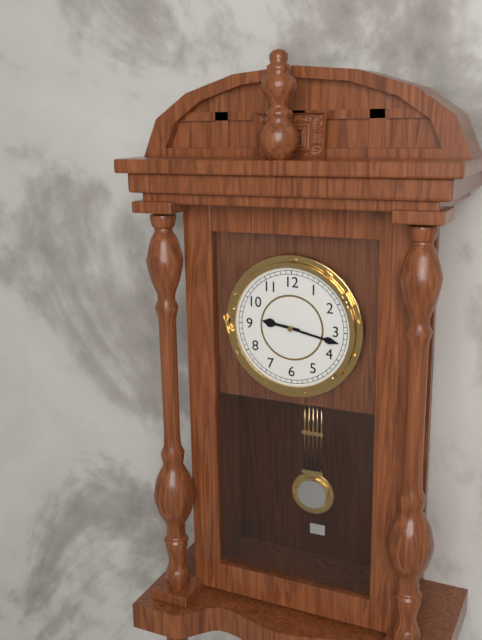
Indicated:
9:17
